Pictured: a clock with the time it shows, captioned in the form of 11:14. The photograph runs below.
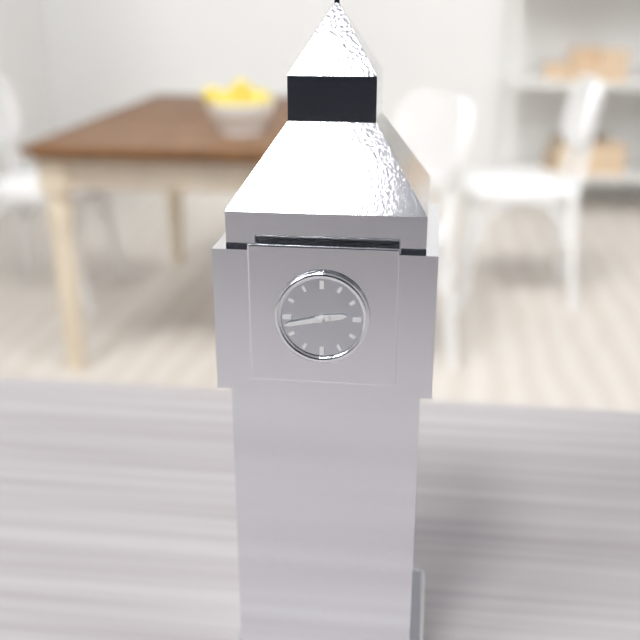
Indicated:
2:43
